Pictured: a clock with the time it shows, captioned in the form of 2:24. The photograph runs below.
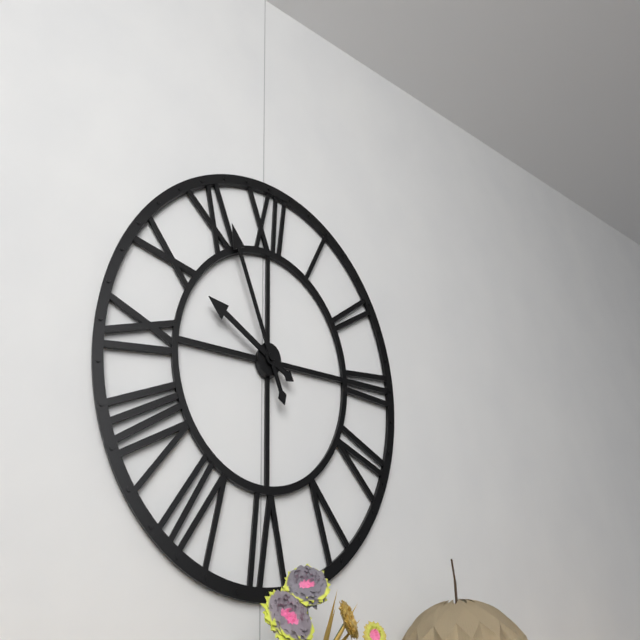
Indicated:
9:56
